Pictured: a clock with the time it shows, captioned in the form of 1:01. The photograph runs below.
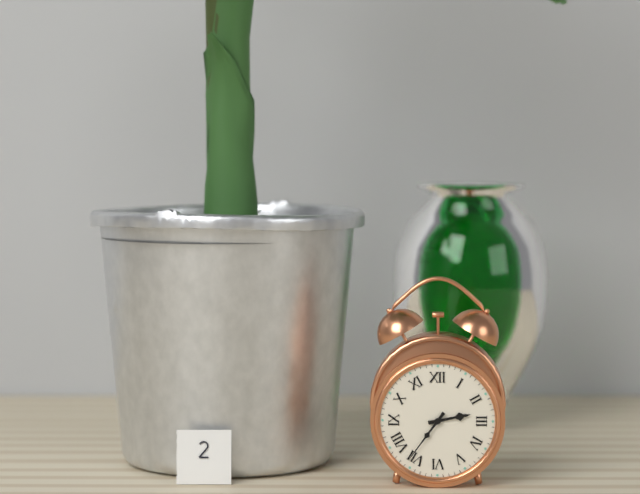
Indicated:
2:36
